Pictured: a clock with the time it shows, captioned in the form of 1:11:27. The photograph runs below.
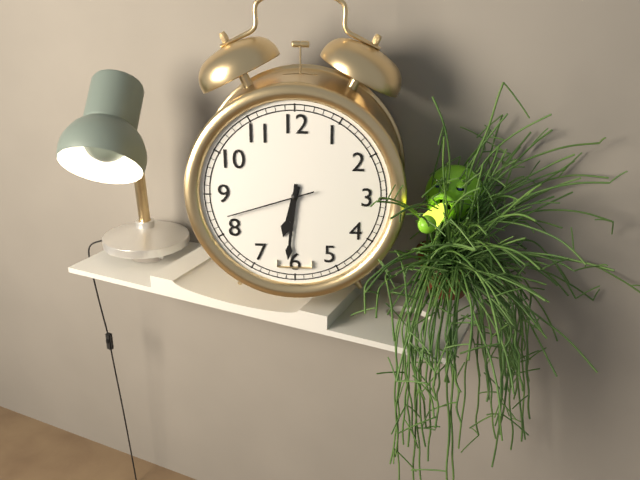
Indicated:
6:31:42
